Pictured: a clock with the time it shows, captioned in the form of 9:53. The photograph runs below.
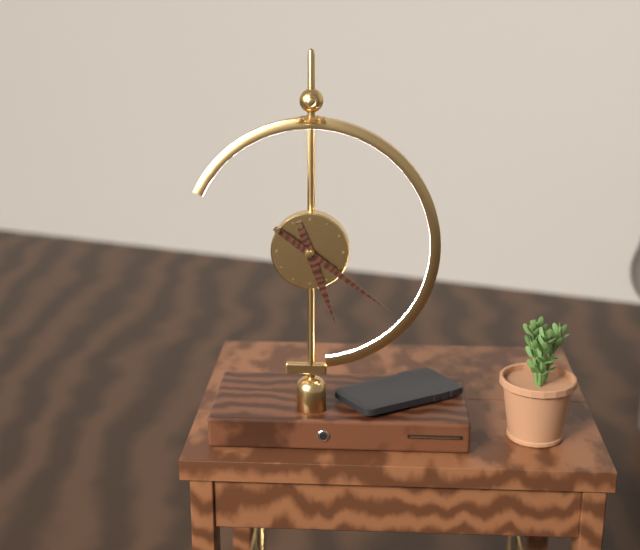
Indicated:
5:21
